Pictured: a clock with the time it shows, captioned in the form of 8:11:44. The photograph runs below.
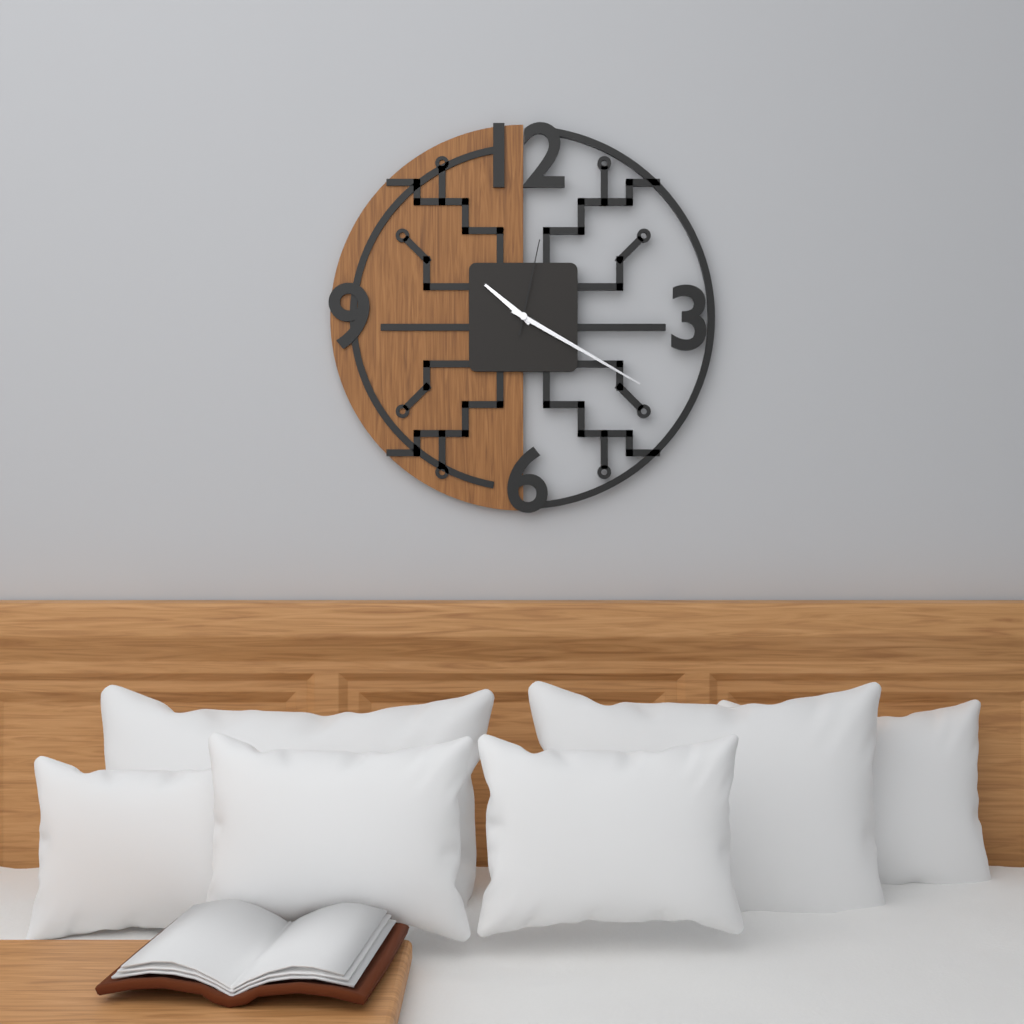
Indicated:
10:20:02
